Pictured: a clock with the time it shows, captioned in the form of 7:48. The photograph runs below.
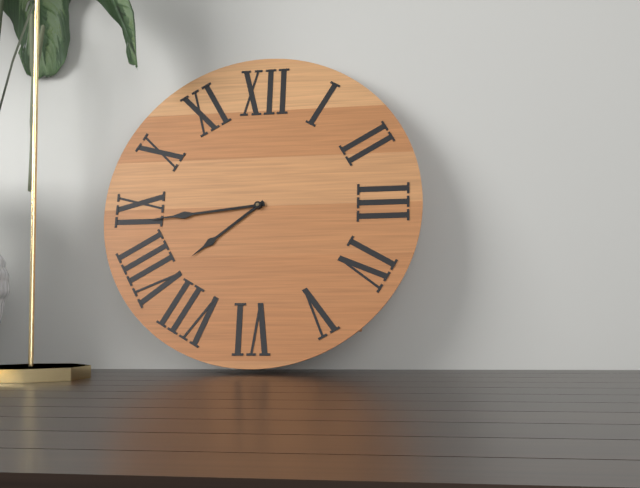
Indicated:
7:44
